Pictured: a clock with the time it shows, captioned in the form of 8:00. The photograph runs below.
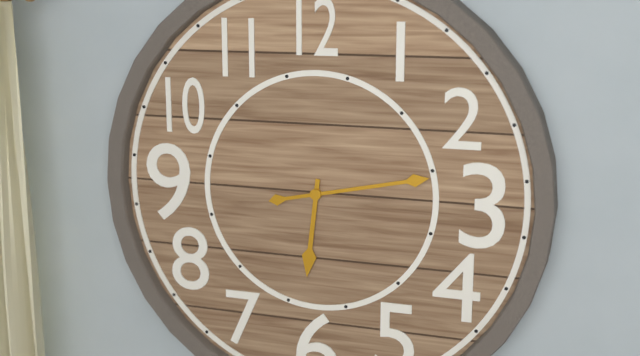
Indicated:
6:13
